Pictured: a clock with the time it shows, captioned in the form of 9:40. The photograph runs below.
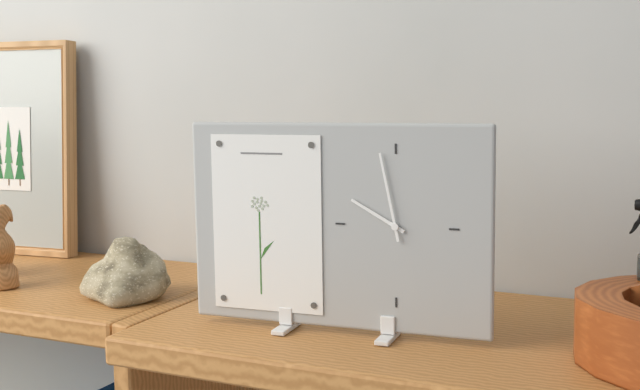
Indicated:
9:58
